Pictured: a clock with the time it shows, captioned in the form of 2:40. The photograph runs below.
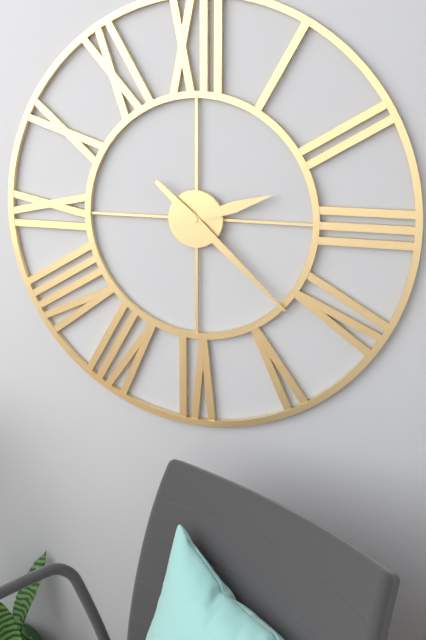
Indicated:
2:22
